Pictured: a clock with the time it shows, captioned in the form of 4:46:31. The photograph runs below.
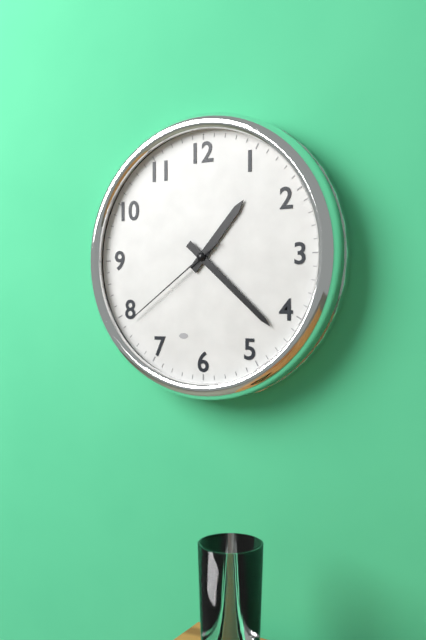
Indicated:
1:22:39
